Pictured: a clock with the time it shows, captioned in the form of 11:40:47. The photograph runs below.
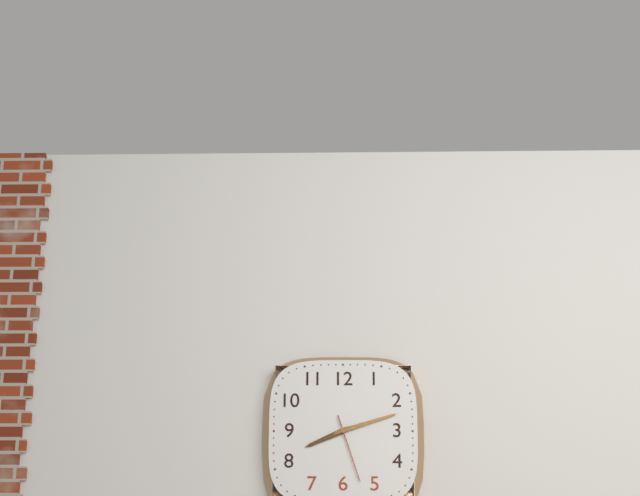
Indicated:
8:12:27
